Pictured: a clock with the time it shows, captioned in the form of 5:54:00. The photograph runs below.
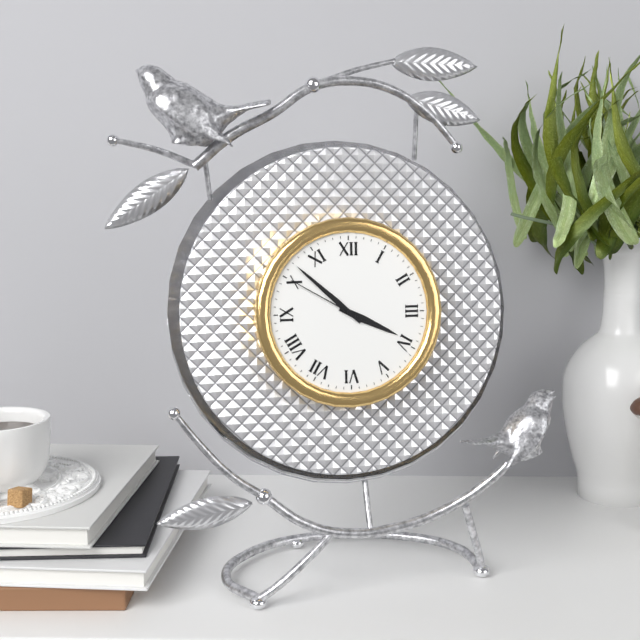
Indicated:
3:52:50
